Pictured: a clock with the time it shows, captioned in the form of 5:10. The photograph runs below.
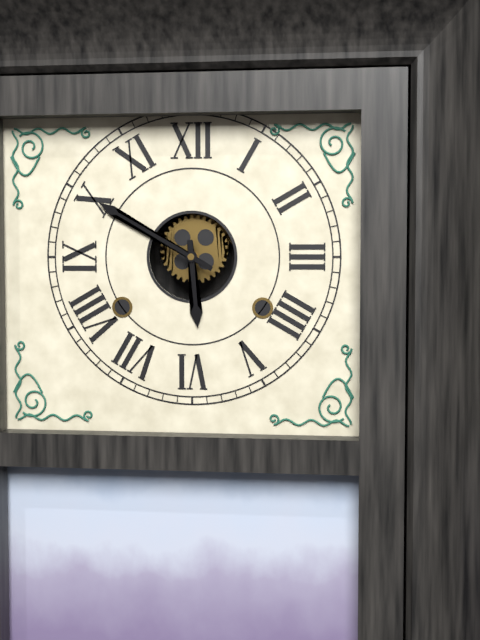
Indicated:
5:50
